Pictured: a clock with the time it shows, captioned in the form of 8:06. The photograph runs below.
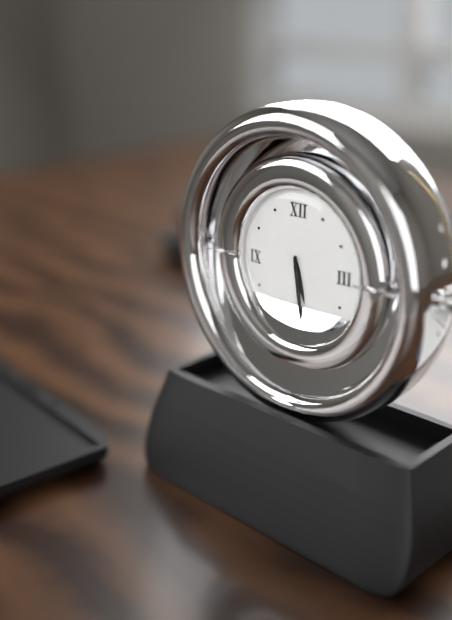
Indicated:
5:29
